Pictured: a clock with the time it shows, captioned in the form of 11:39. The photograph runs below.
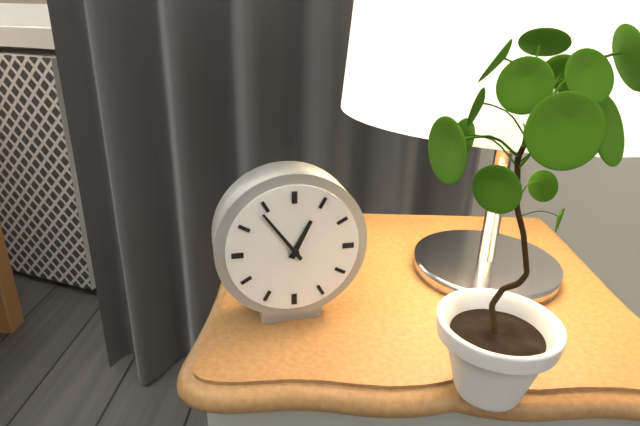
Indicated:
12:54
